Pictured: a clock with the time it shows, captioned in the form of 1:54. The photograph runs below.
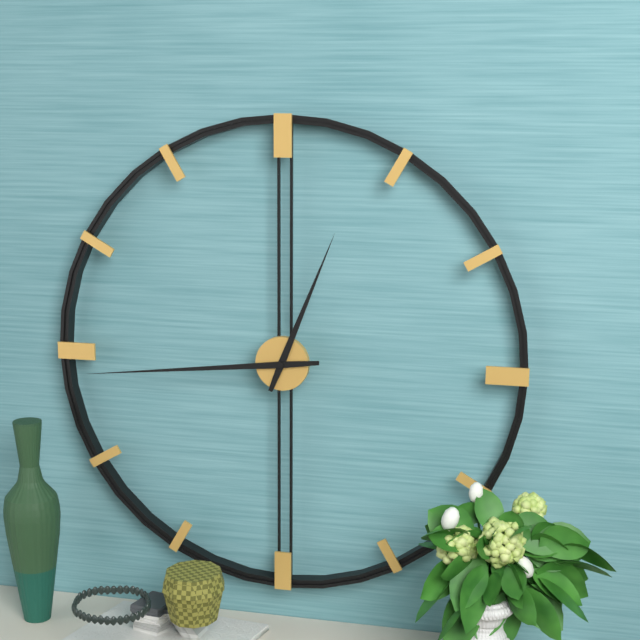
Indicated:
12:44
